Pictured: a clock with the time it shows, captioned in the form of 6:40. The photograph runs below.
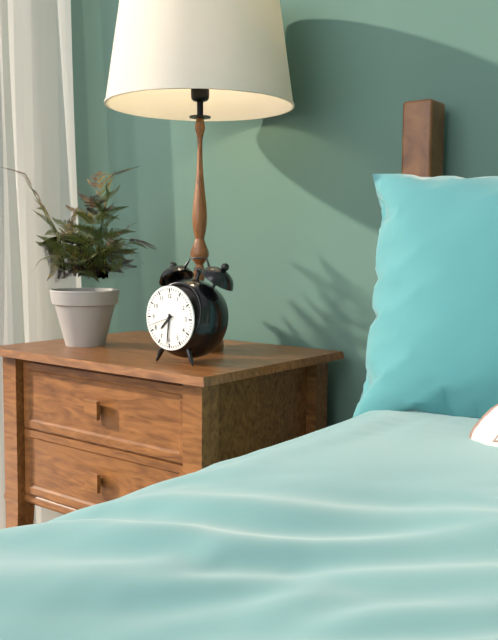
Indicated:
7:31
